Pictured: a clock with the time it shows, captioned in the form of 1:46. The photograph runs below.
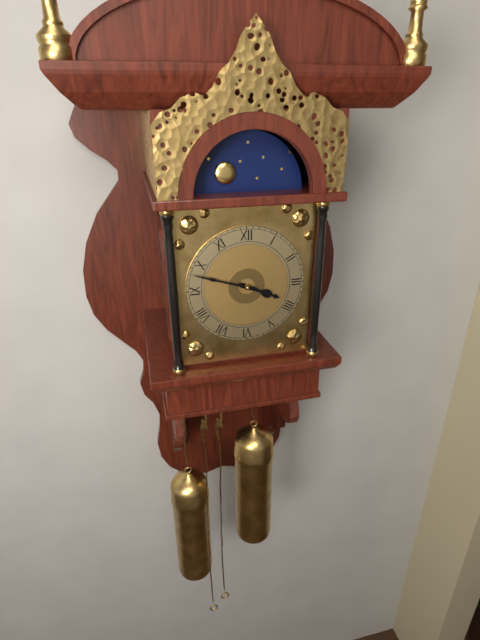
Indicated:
3:48
